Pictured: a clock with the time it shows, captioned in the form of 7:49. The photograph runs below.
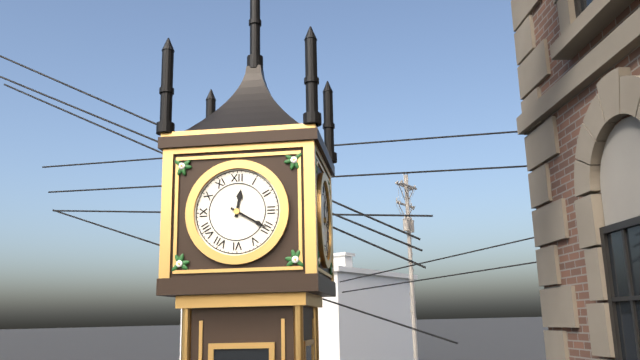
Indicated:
12:20
